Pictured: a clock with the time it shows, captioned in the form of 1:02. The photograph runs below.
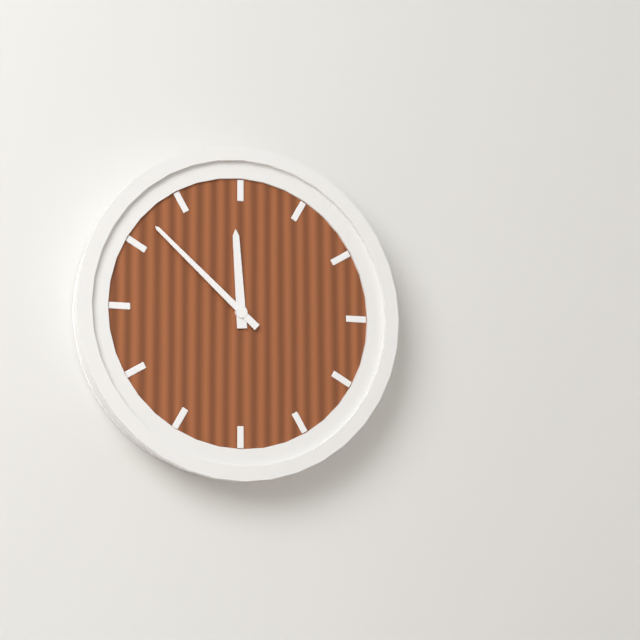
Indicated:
11:52
